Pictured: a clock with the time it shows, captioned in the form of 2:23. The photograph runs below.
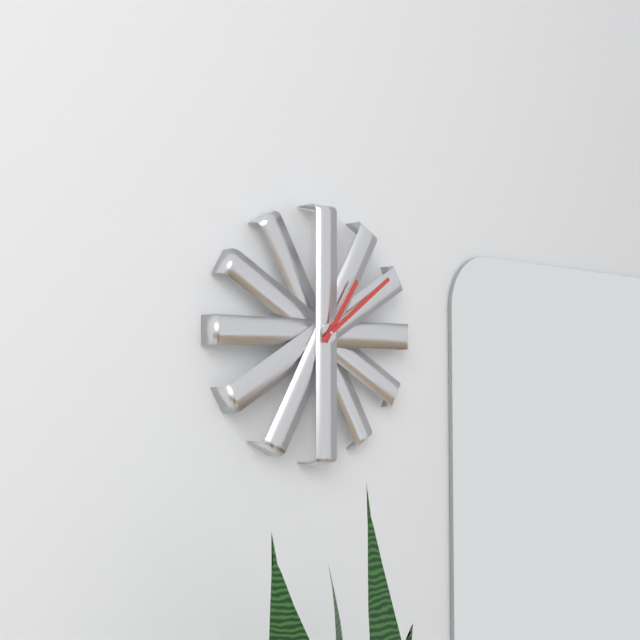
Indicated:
1:09
